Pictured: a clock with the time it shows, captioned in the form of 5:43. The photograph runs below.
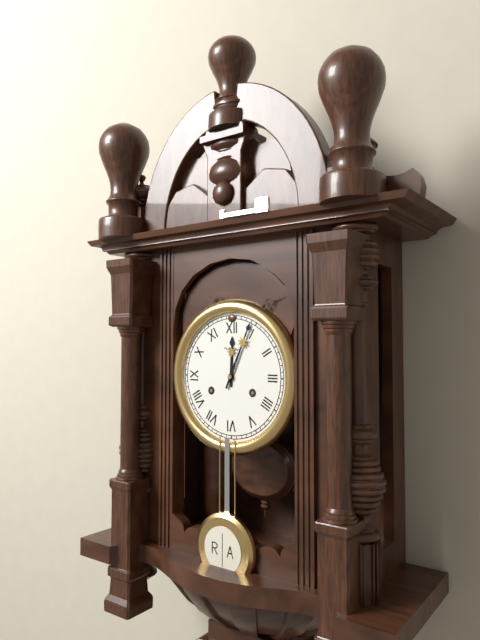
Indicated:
12:04
